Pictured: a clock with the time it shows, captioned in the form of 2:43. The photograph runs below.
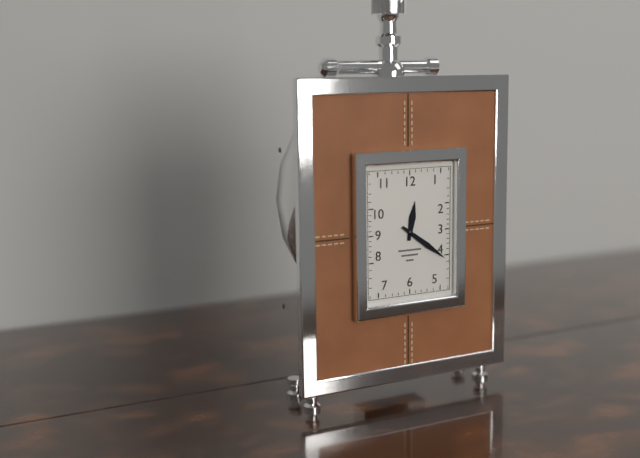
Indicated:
12:21
